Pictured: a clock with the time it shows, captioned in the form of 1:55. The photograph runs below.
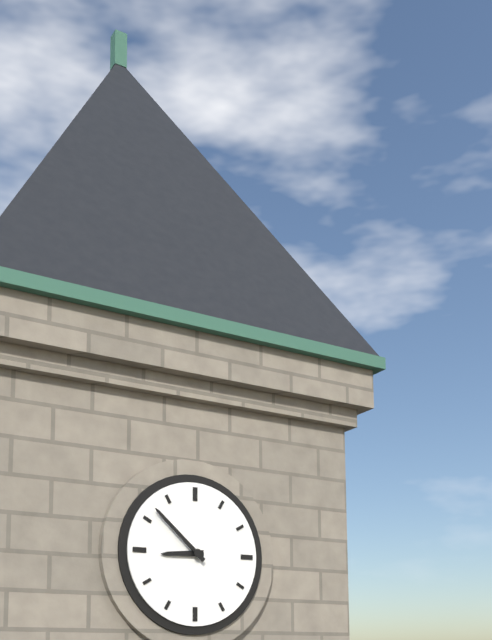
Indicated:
8:52
